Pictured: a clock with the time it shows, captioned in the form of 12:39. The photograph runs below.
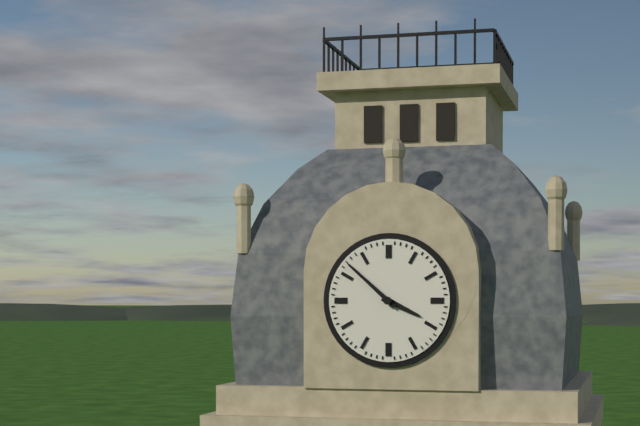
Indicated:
3:52
